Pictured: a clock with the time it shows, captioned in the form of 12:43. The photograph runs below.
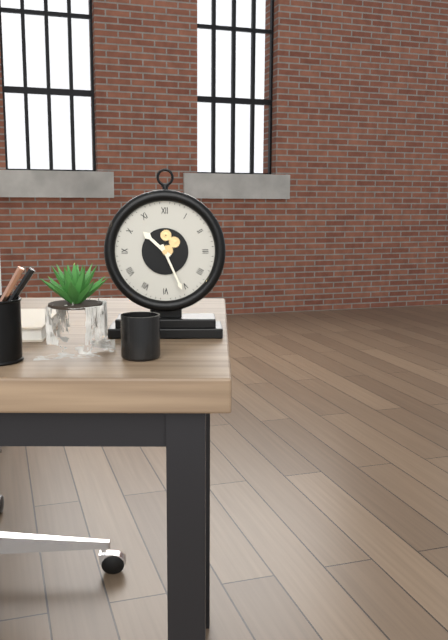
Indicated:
10:26
